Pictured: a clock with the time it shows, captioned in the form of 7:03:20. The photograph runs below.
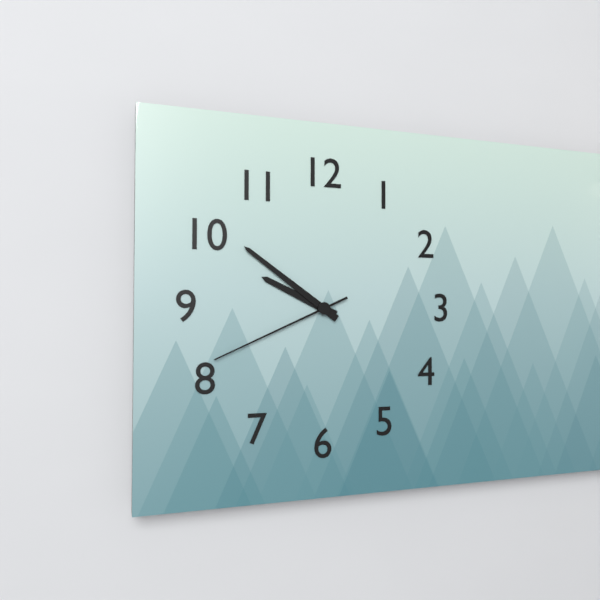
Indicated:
9:51:41
